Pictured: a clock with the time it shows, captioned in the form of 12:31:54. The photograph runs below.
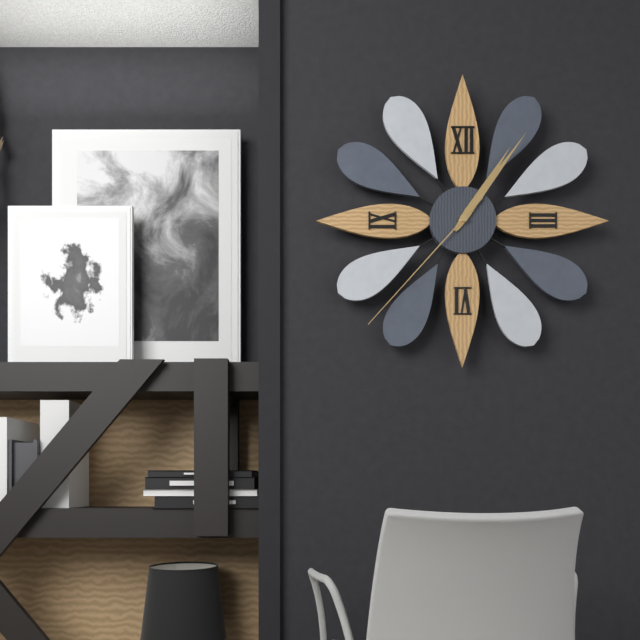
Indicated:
1:06:37
